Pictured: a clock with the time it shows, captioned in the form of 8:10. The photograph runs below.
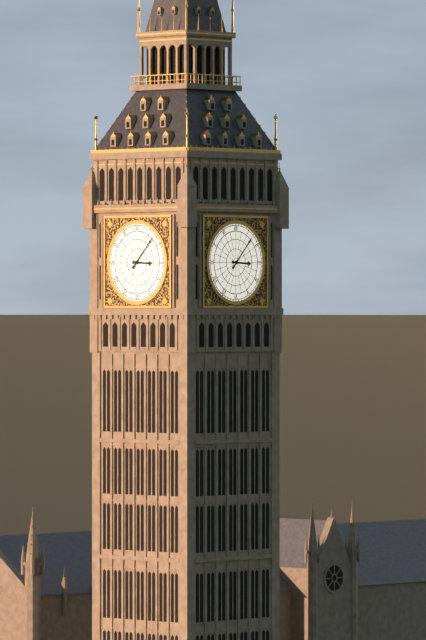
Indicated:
3:07
